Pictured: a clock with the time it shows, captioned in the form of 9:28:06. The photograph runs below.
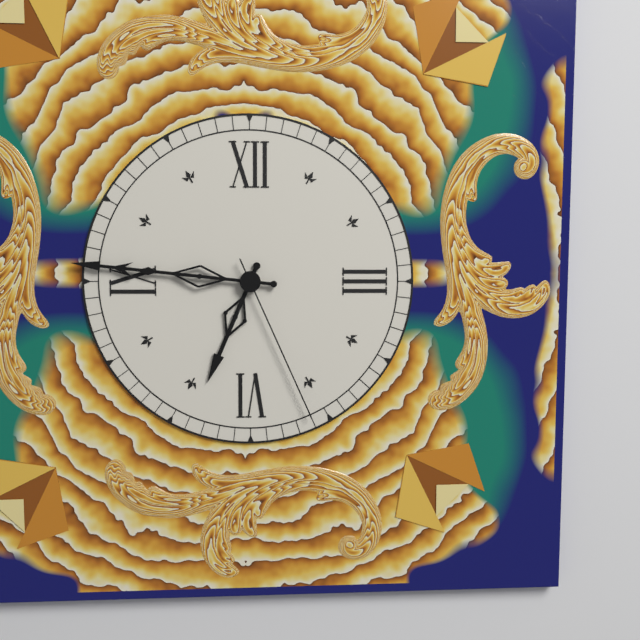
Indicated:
6:46:26
